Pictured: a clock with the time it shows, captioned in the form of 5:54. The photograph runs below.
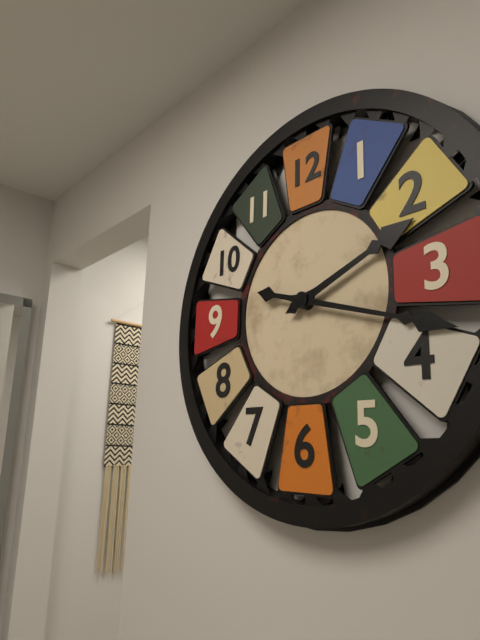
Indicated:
2:18
